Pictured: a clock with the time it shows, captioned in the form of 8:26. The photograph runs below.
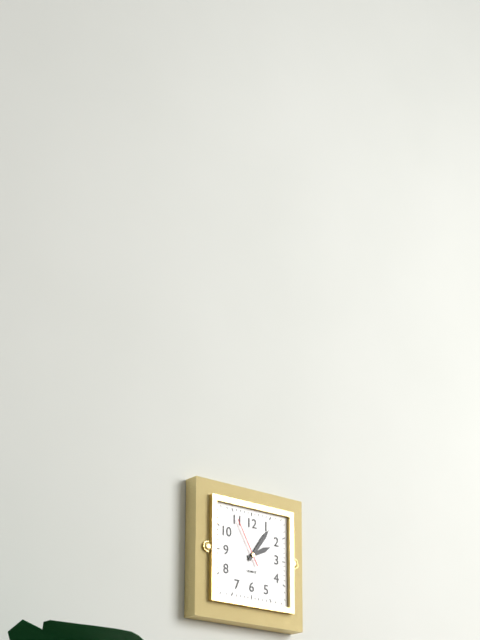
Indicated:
2:06
